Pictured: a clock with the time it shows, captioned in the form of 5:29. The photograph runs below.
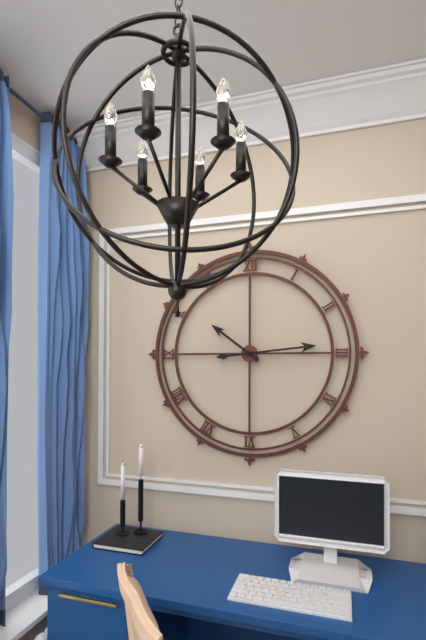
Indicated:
10:14
